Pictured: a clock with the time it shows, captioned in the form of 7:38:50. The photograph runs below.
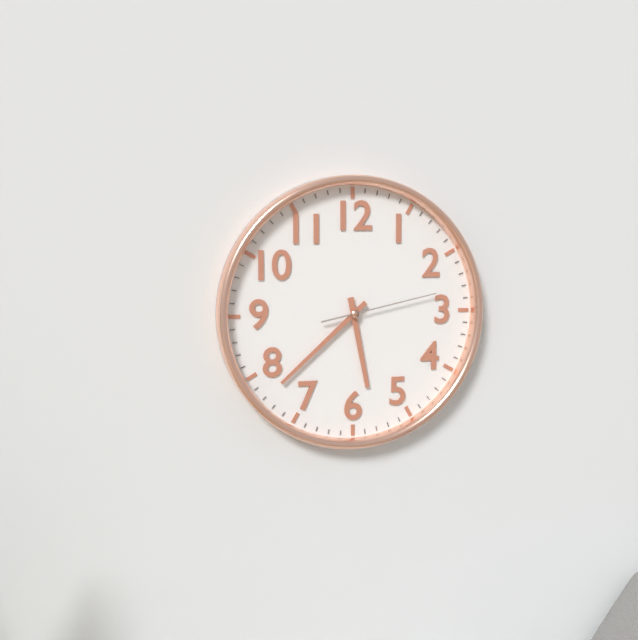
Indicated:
5:38:13
